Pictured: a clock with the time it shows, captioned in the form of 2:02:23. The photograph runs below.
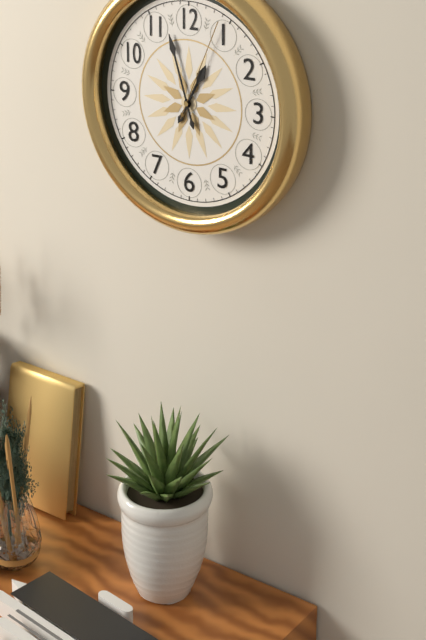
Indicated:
12:57:04
